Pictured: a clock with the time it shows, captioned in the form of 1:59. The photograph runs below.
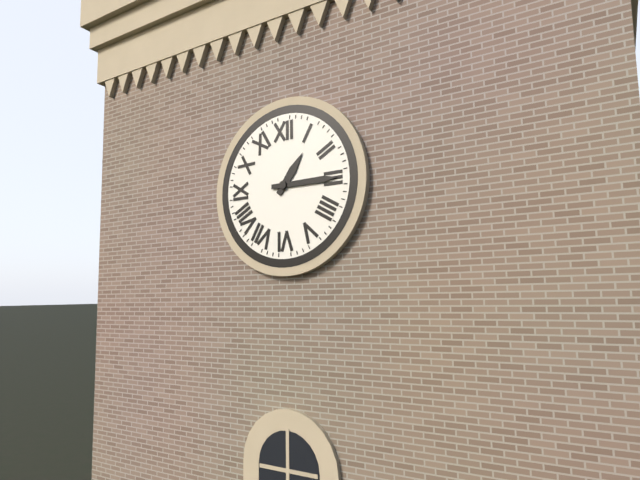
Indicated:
1:15
